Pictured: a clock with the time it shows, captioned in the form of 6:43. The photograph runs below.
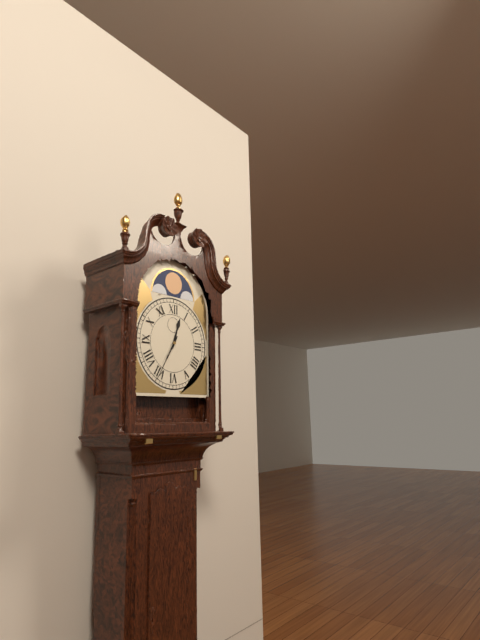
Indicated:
12:35
